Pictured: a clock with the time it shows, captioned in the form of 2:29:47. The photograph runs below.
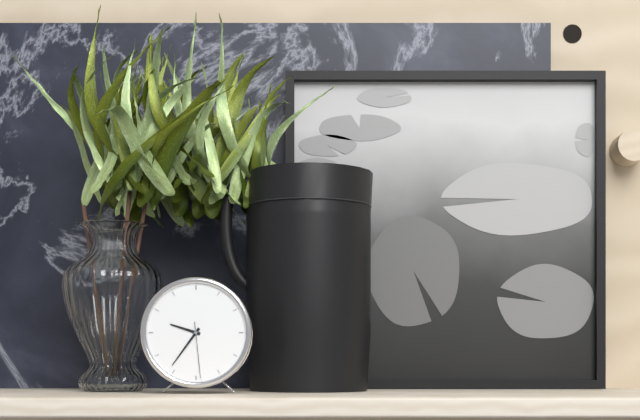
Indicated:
9:36:29
